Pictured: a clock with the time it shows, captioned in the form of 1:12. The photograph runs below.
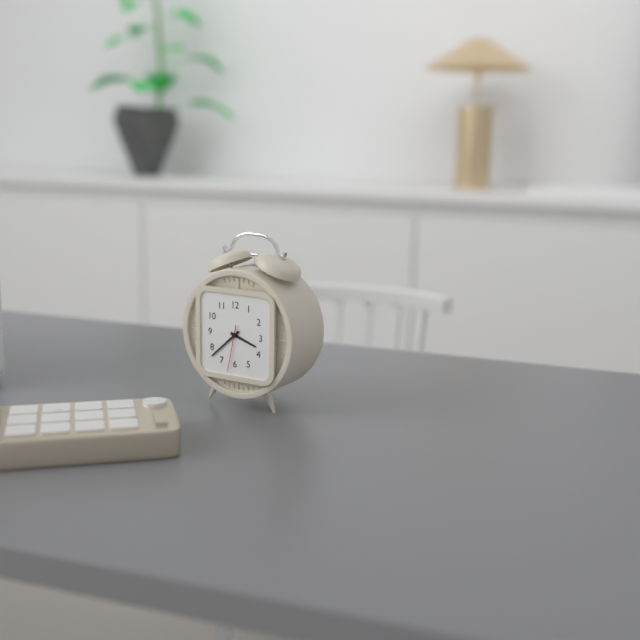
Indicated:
3:38
